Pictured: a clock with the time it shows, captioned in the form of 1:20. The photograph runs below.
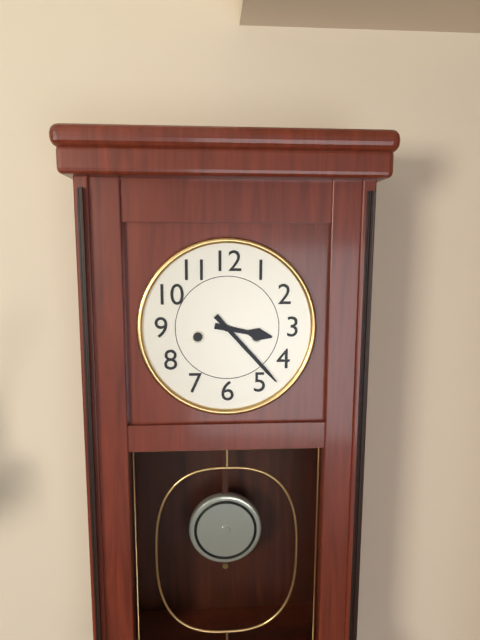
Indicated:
3:23
